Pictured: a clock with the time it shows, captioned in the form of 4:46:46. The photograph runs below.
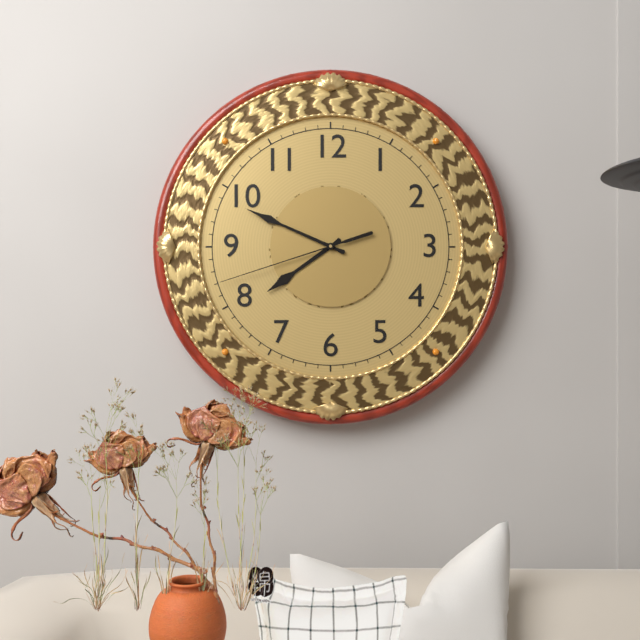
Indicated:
7:49:42
